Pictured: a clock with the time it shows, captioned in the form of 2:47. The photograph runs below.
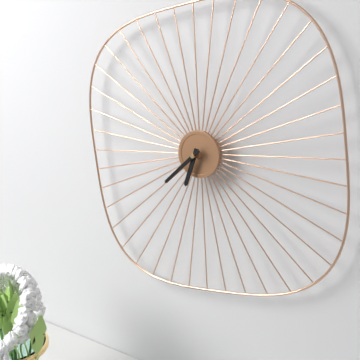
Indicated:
6:38
